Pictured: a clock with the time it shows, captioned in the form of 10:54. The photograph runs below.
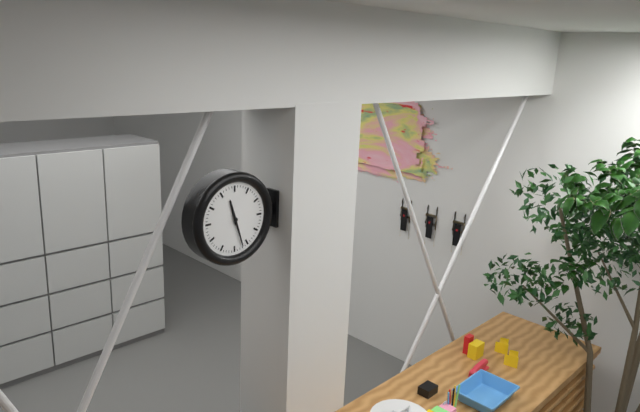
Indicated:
11:27
